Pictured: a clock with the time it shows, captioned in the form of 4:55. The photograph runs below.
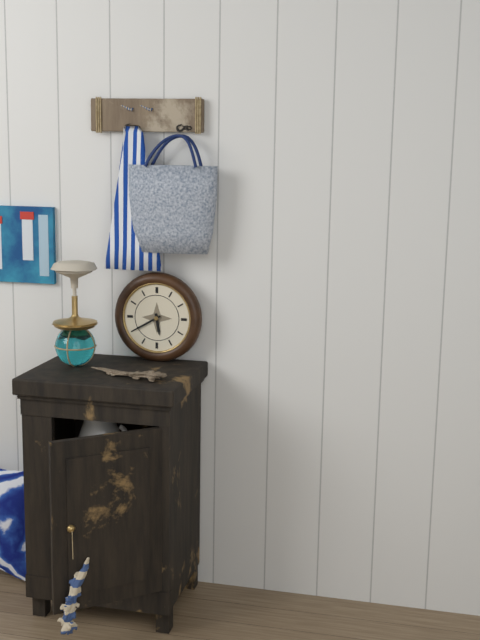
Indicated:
5:40
